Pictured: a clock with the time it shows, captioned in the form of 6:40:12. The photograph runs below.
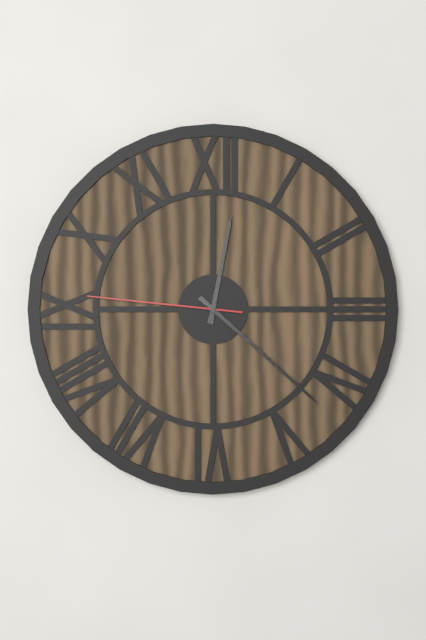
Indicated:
12:22:46
